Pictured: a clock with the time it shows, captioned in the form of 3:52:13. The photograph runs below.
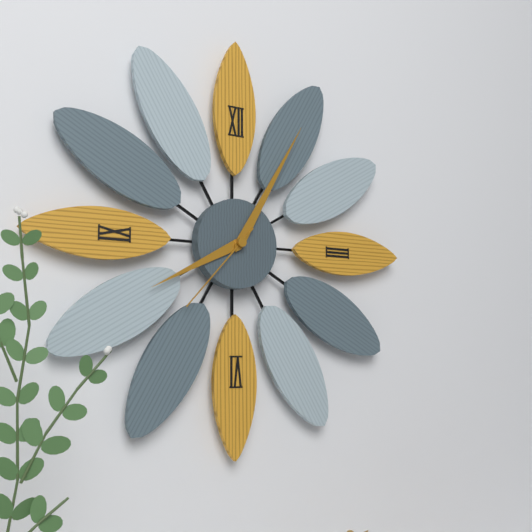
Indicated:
8:05:37
